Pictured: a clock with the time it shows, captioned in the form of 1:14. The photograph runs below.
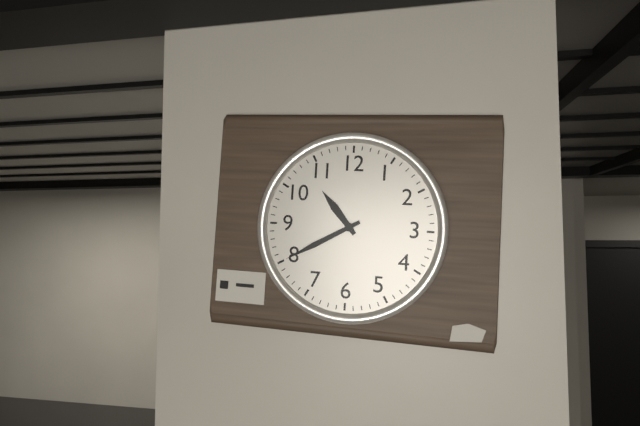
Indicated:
10:40
